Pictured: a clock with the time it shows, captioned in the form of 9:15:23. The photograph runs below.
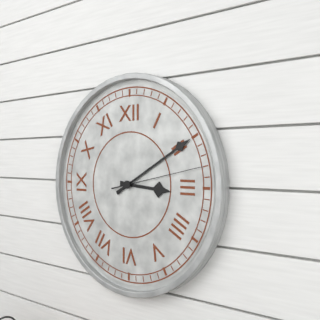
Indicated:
3:10:13
